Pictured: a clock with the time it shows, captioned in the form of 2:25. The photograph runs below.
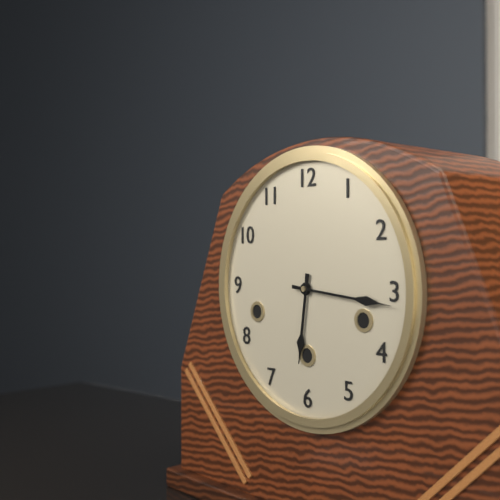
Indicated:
6:16
